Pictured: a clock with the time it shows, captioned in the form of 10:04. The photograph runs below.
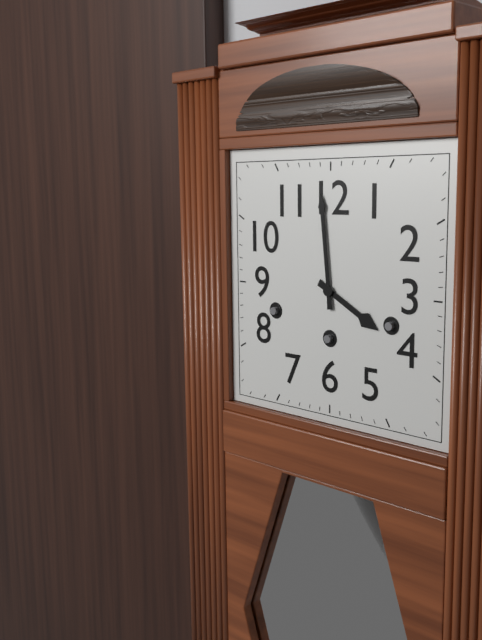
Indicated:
3:59
